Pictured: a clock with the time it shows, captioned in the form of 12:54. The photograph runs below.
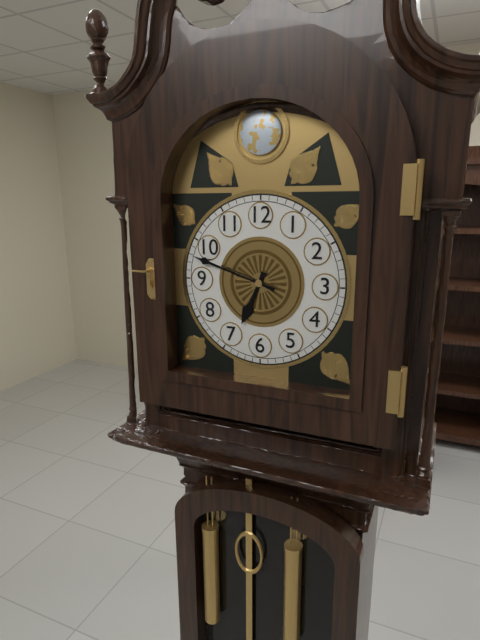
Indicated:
6:48
